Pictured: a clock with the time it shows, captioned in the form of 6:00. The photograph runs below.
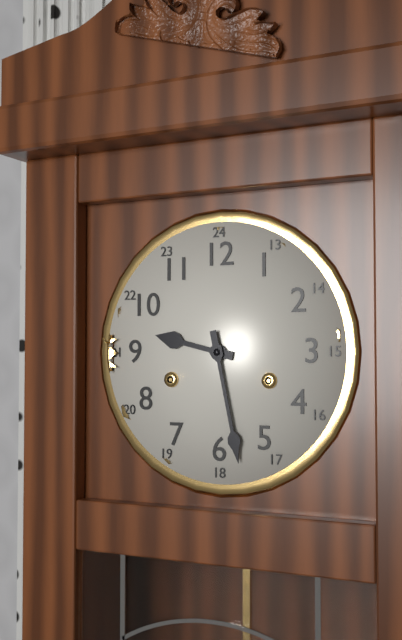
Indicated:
9:28
